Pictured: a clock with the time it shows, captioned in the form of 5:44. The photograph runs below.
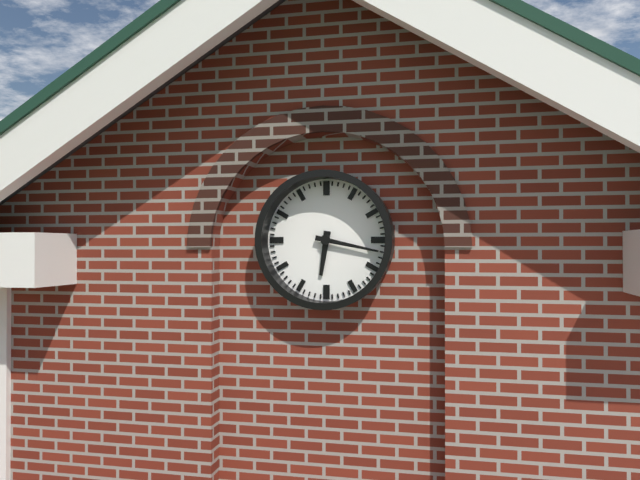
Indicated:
6:17
